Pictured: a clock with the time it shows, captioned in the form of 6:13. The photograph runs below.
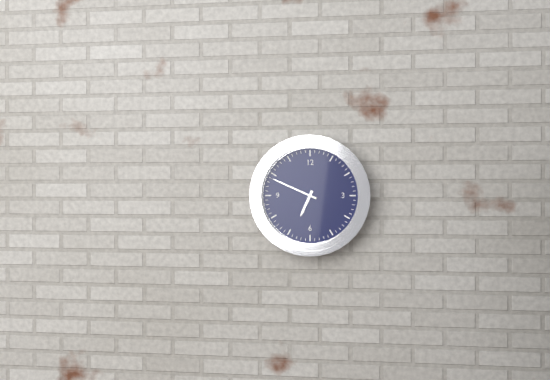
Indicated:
6:49
